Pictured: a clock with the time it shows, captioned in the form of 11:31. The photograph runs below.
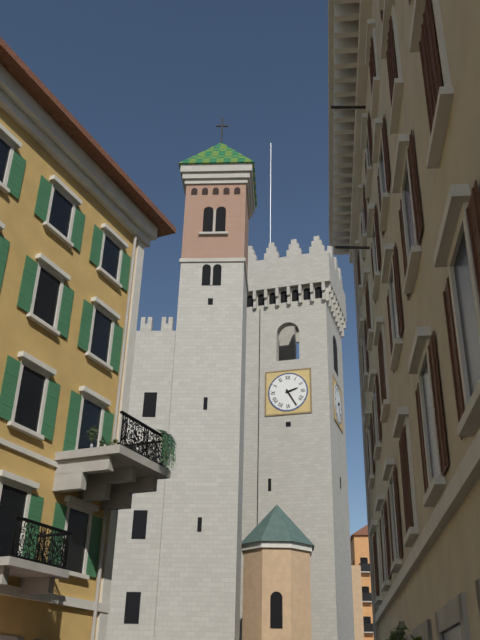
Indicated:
2:25
